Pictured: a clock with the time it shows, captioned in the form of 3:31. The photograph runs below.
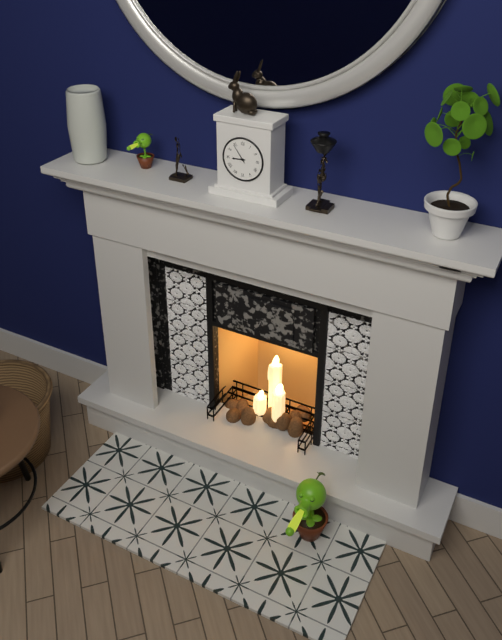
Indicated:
8:54
